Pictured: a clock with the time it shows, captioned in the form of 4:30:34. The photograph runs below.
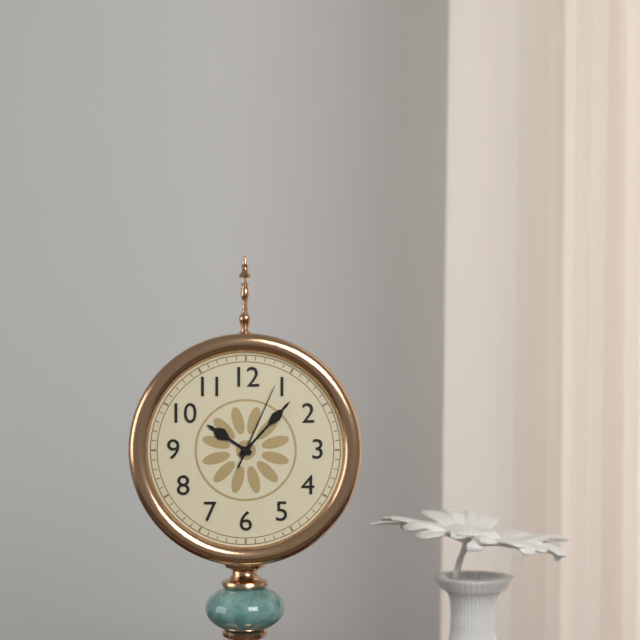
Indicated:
10:07:04
